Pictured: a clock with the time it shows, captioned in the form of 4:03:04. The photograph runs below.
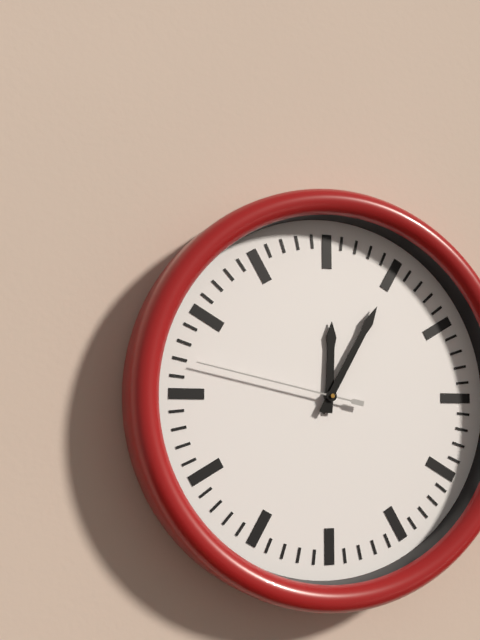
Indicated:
12:05:47
